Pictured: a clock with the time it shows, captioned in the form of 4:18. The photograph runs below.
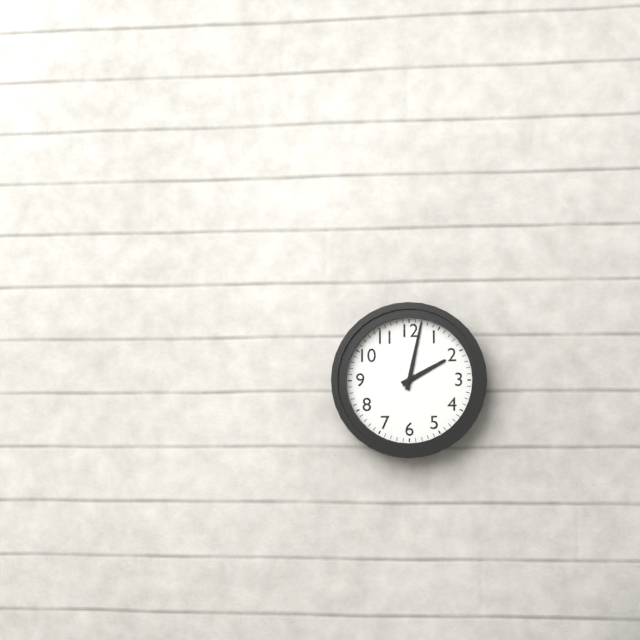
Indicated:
2:02
